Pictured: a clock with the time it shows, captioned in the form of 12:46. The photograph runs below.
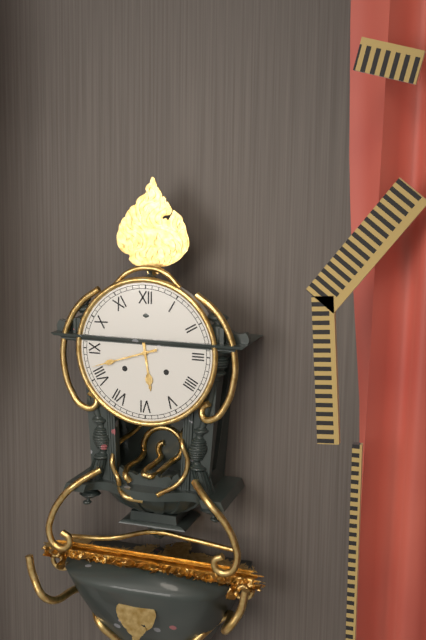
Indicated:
5:42
